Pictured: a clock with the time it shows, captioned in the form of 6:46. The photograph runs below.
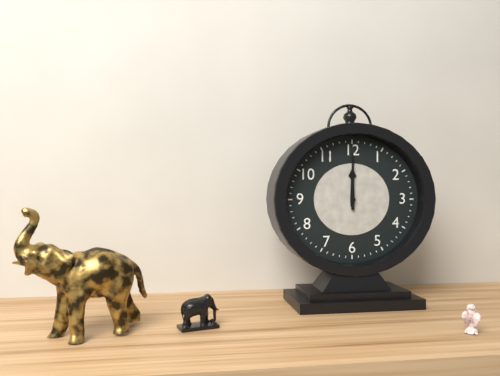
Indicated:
12:00
